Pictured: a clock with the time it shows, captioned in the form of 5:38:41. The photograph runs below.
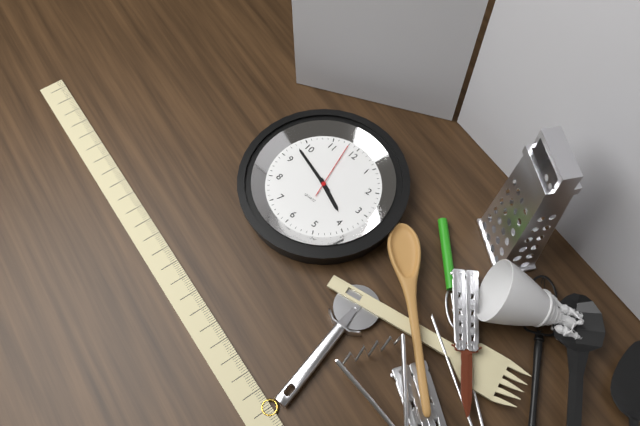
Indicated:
3:48:58
